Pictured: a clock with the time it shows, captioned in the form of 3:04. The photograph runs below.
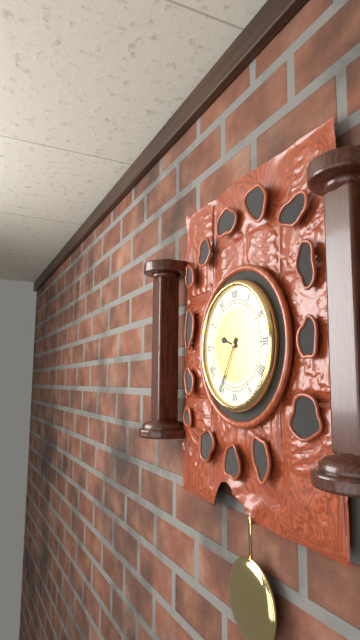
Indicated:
9:35
